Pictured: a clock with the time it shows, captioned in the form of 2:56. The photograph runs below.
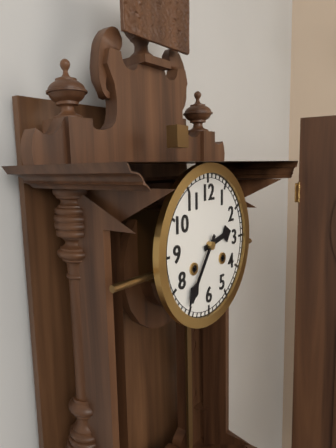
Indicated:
2:36
